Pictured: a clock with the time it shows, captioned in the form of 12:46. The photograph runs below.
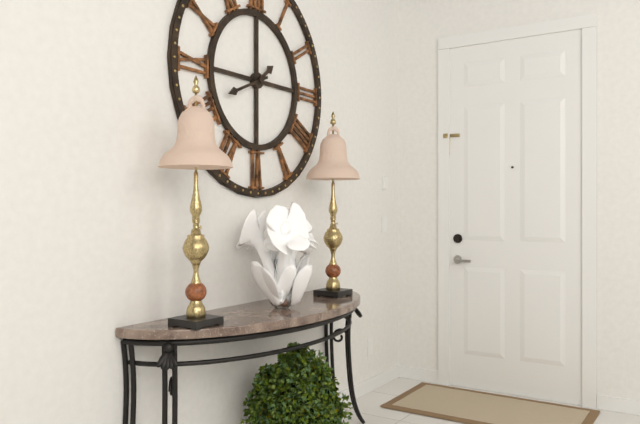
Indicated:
1:41
